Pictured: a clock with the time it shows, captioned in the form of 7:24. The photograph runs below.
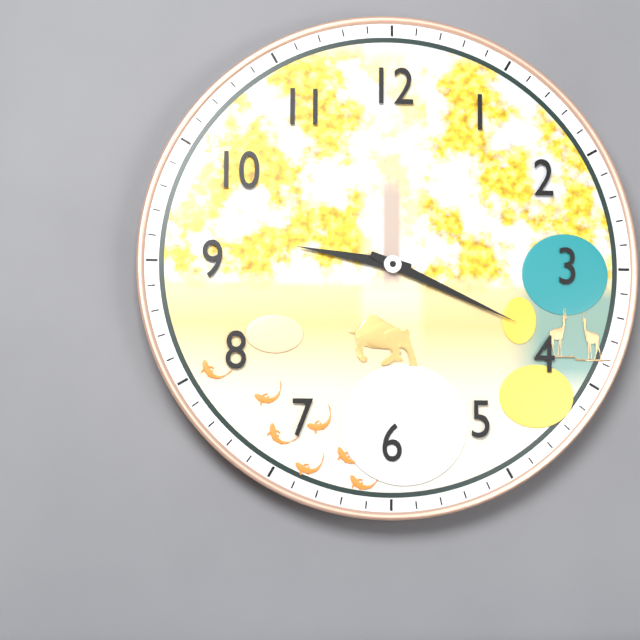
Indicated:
9:19
